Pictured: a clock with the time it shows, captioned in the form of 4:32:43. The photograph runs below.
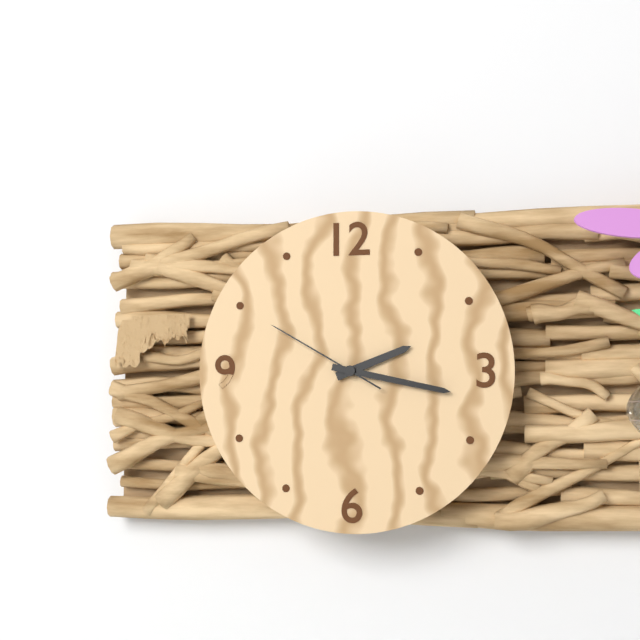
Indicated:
2:17:50
